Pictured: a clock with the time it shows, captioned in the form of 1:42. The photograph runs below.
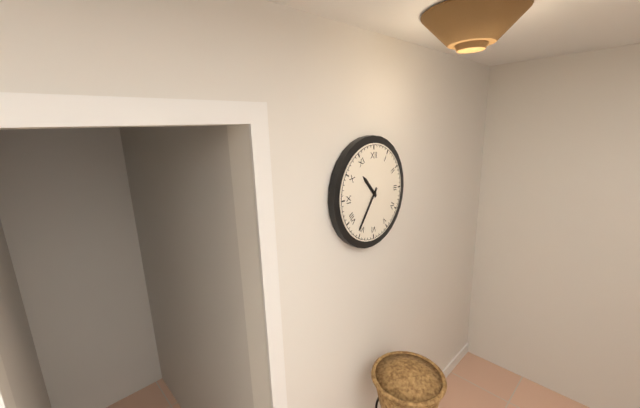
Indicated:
10:36
